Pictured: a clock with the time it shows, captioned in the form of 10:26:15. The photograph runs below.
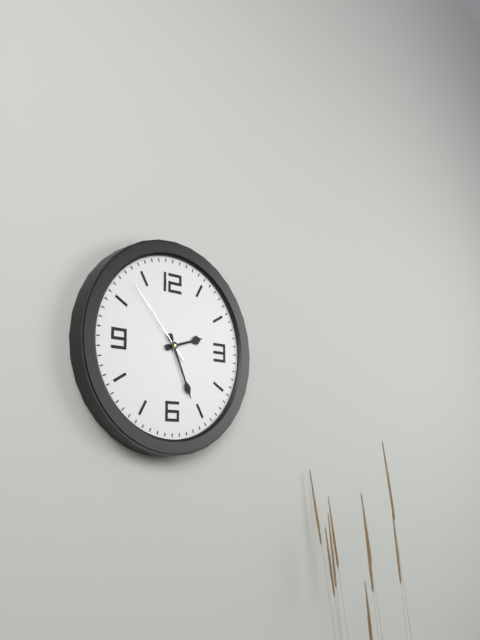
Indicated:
2:26:53
